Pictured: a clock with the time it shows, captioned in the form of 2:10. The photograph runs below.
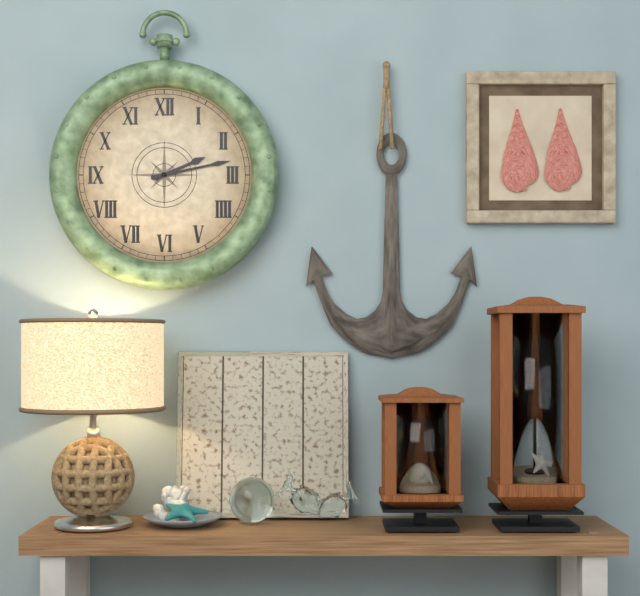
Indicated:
2:13
